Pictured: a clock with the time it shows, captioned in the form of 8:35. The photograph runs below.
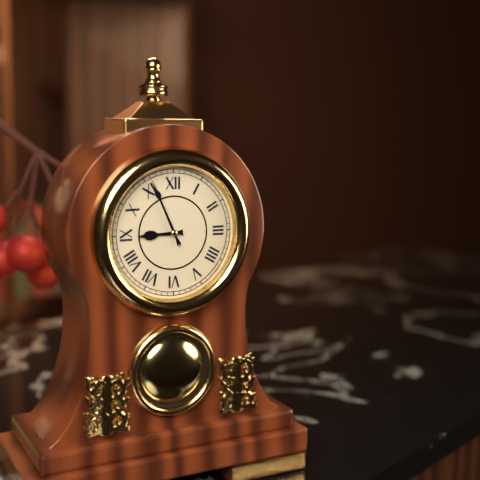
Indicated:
8:56
